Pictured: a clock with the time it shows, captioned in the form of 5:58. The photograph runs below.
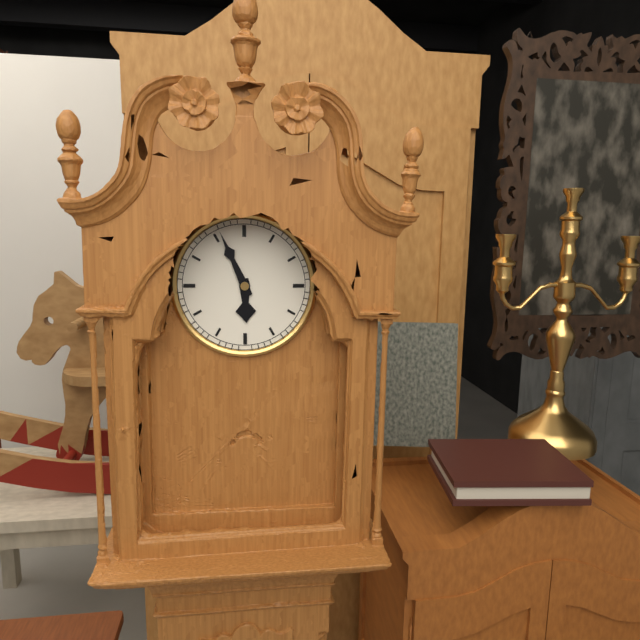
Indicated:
5:56
